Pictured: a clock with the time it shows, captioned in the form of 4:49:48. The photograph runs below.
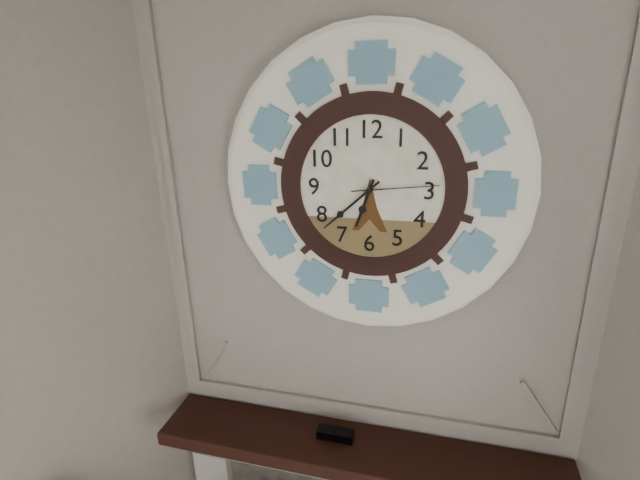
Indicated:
6:38:14
